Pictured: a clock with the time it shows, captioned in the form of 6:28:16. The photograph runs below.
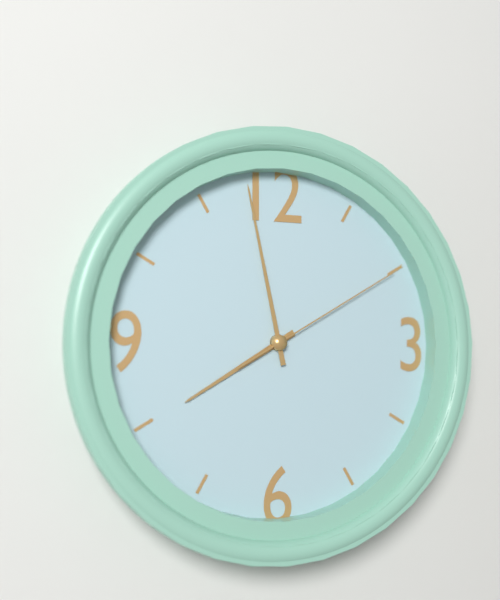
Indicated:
7:58:10
